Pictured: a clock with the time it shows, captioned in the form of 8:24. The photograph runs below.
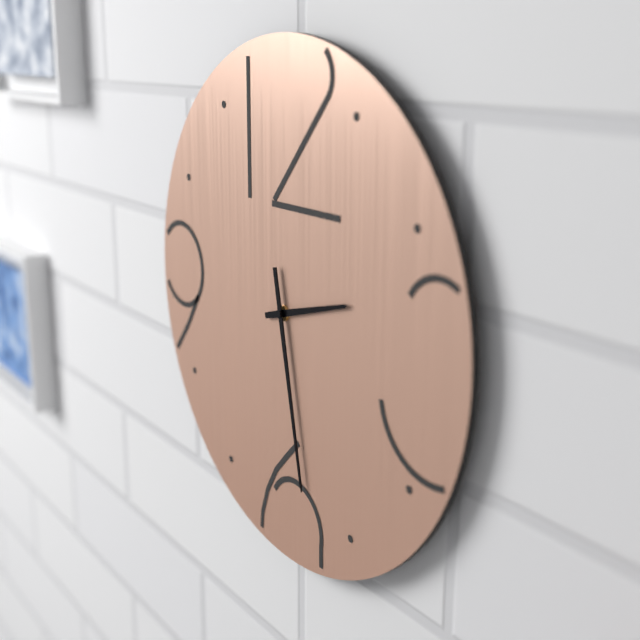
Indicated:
2:28
